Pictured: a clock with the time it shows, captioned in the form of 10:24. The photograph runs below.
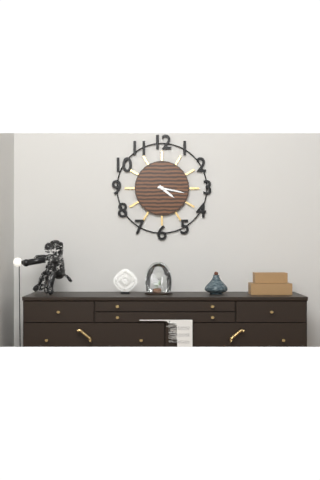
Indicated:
4:17
